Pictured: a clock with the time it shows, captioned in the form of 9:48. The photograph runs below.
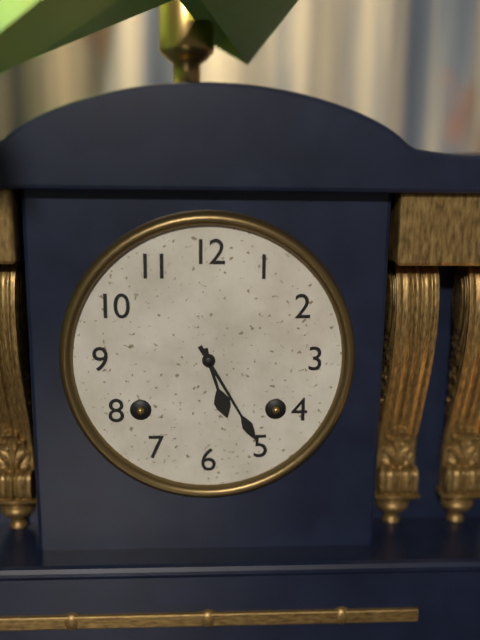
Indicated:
5:25
